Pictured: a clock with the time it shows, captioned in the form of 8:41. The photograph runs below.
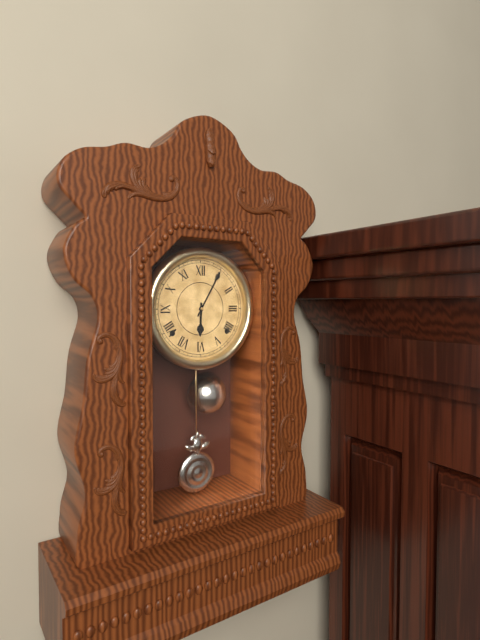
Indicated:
6:05
